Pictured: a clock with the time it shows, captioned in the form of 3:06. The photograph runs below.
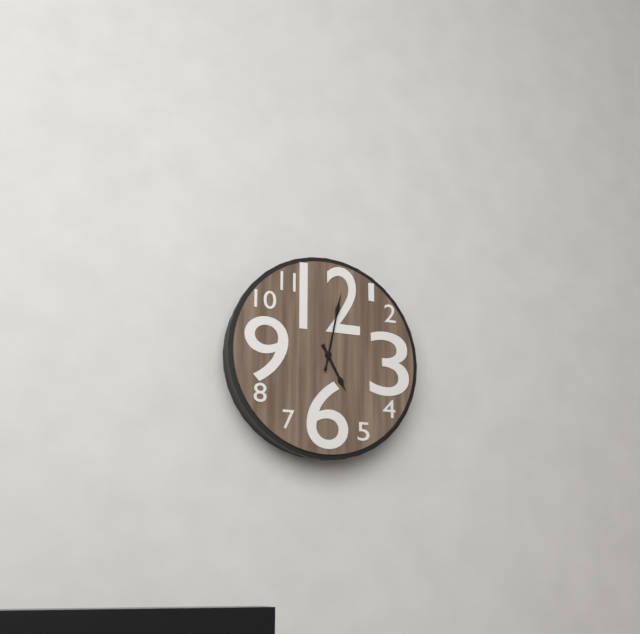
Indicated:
5:02
